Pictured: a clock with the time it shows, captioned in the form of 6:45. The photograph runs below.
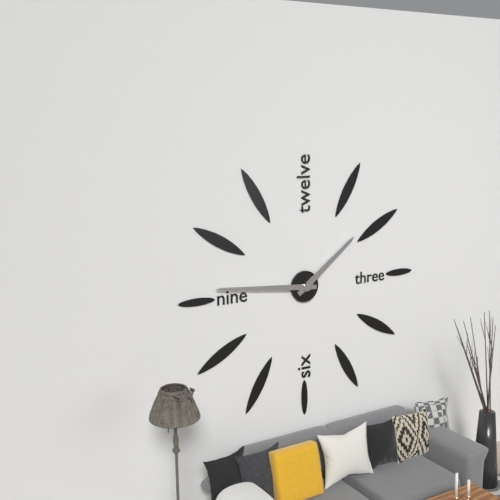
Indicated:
1:46
